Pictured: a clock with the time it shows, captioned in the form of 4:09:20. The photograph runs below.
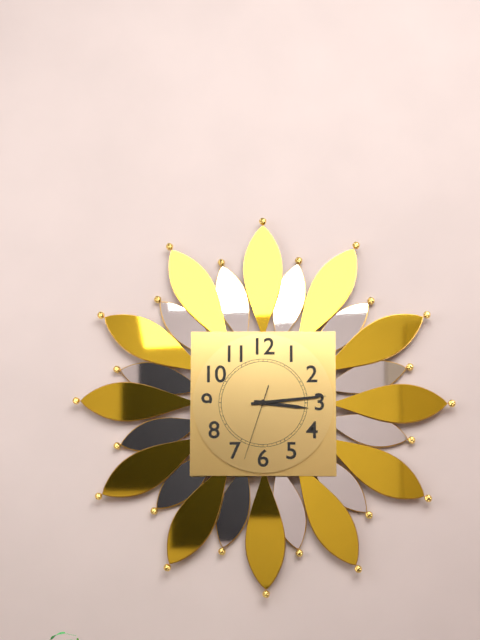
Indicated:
3:14:33
